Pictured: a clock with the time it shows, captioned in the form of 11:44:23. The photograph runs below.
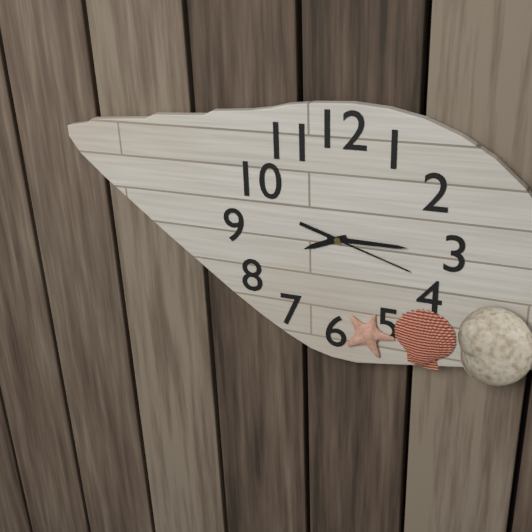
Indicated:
8:15:18
